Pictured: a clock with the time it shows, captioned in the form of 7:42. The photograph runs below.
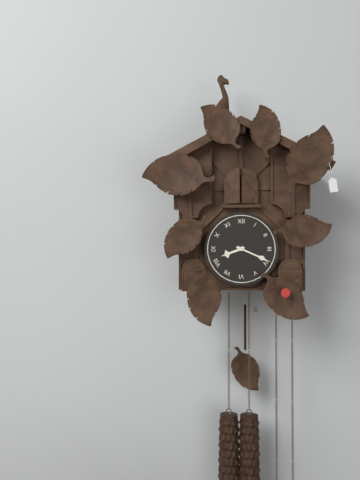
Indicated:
8:19
